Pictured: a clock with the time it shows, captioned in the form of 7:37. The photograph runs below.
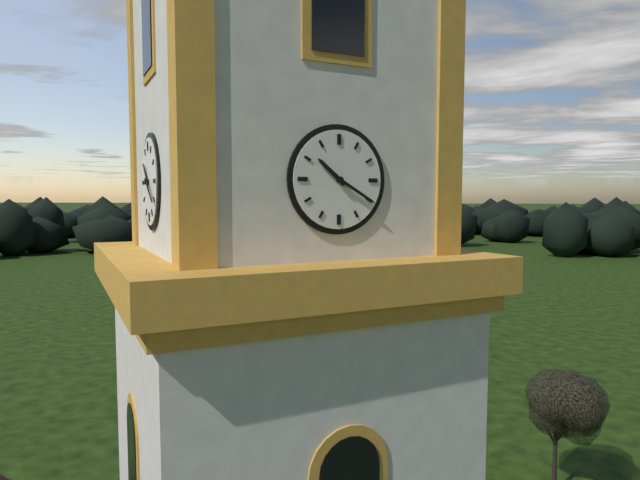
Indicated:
10:20
